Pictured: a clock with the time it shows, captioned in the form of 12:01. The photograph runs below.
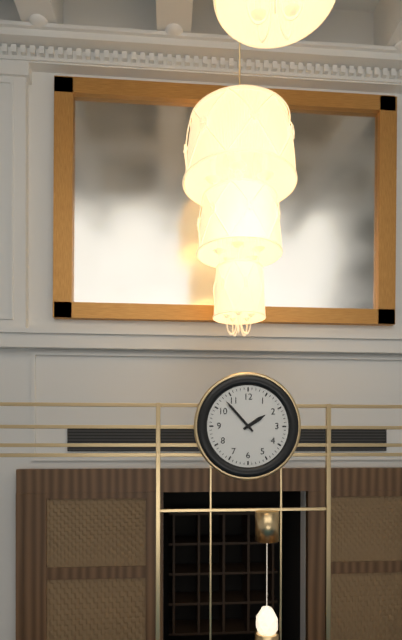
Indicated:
1:53
